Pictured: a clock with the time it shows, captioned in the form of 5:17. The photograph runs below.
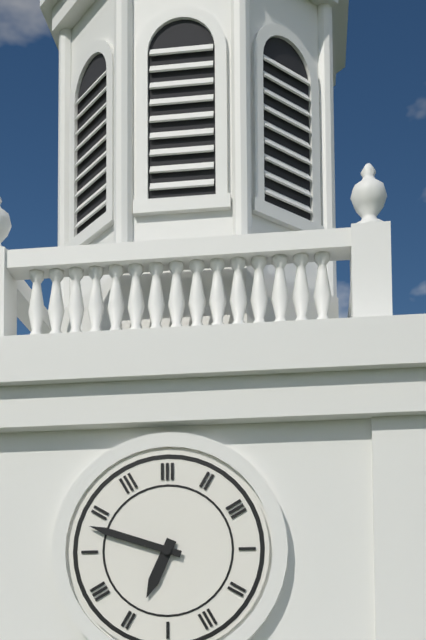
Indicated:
6:48
